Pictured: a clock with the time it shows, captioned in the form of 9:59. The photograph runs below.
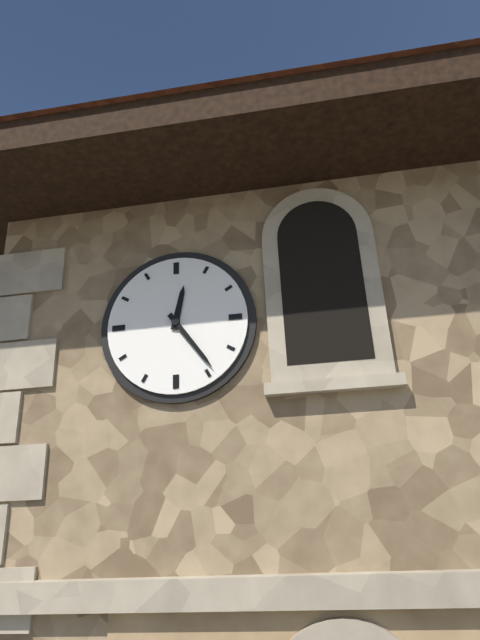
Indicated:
12:24
